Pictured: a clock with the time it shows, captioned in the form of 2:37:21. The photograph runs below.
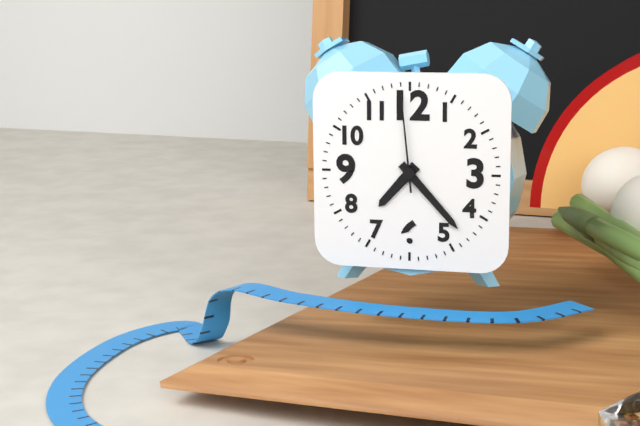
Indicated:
7:23:59
